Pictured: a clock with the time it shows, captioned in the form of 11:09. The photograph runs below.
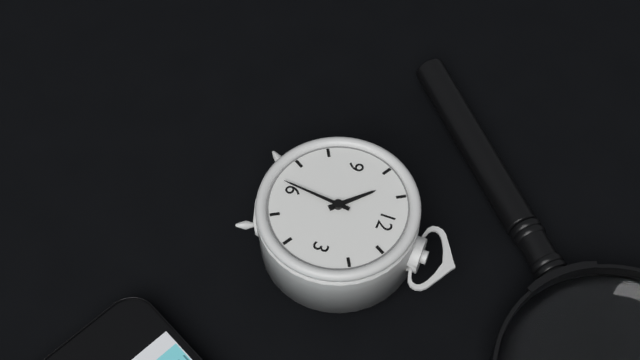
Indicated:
10:31
